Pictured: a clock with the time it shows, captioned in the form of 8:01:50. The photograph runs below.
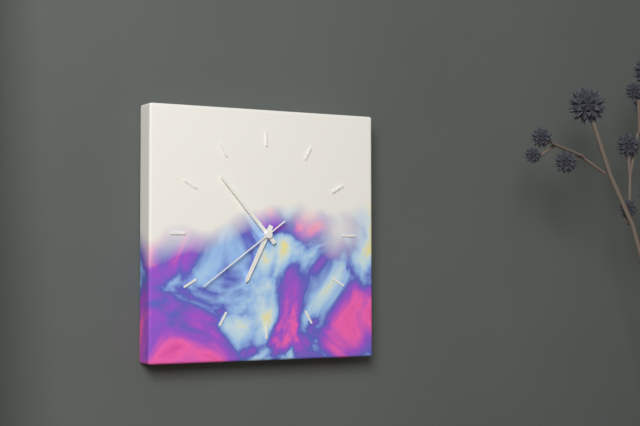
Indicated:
6:53:39
